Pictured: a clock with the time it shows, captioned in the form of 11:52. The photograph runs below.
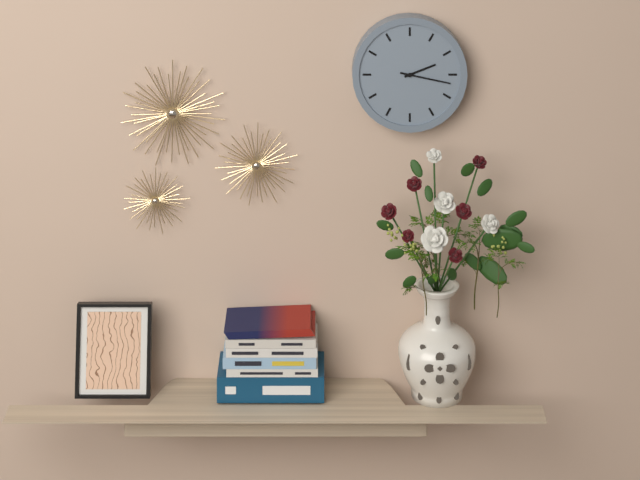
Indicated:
2:17
